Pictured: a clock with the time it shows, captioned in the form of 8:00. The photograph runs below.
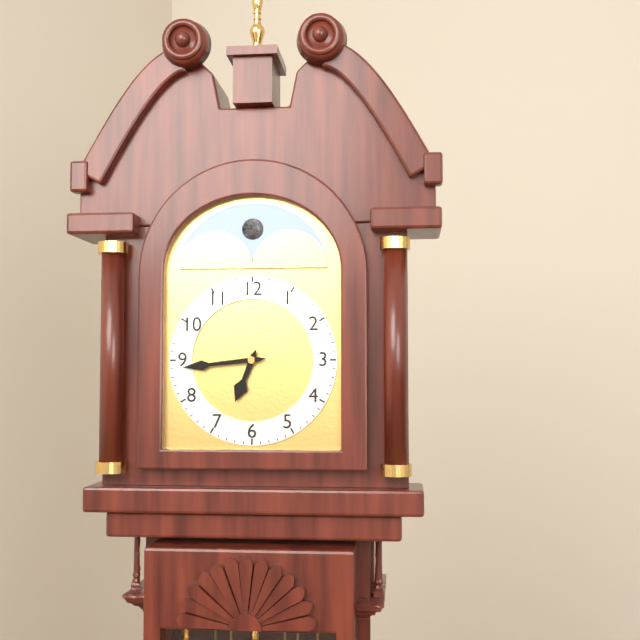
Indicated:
6:44
